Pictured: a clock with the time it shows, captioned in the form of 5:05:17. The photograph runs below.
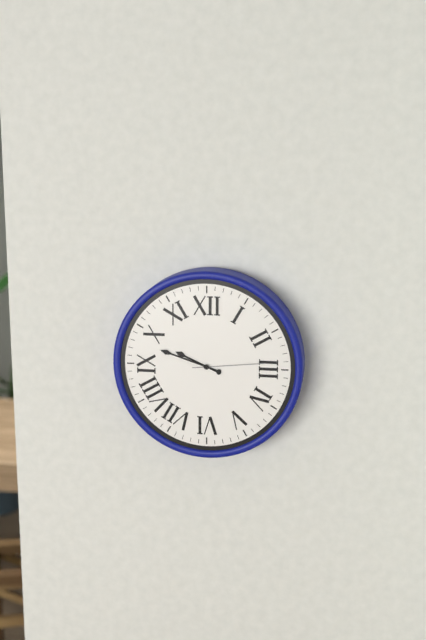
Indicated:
9:48:14
